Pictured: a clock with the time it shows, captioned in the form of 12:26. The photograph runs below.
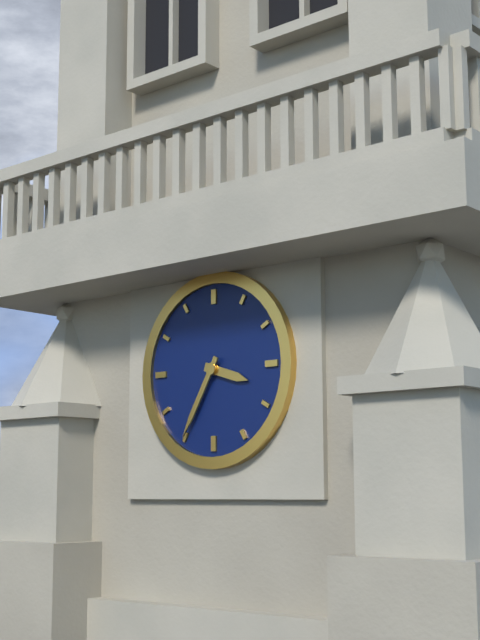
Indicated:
3:35
